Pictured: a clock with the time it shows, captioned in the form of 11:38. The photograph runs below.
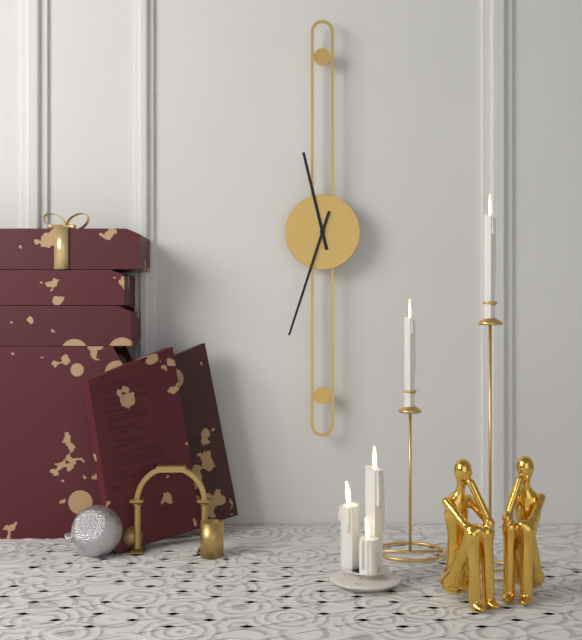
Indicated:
11:33
